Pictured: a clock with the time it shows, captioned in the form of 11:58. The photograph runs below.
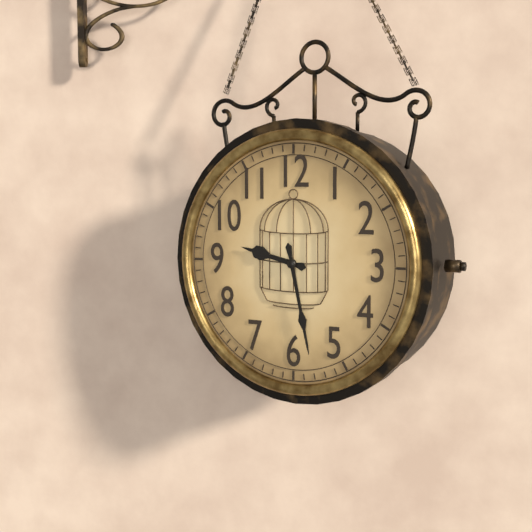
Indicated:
9:28
